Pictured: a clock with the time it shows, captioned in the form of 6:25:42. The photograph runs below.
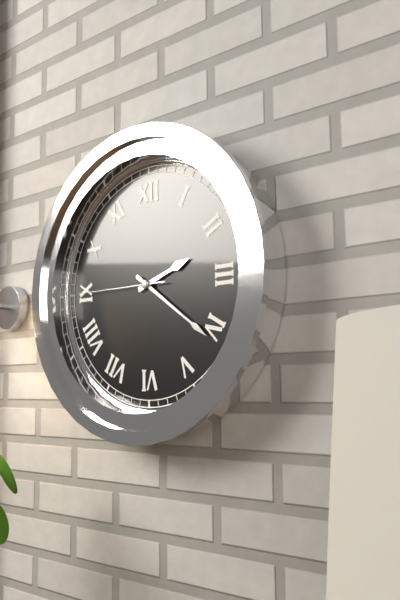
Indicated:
2:21:45
